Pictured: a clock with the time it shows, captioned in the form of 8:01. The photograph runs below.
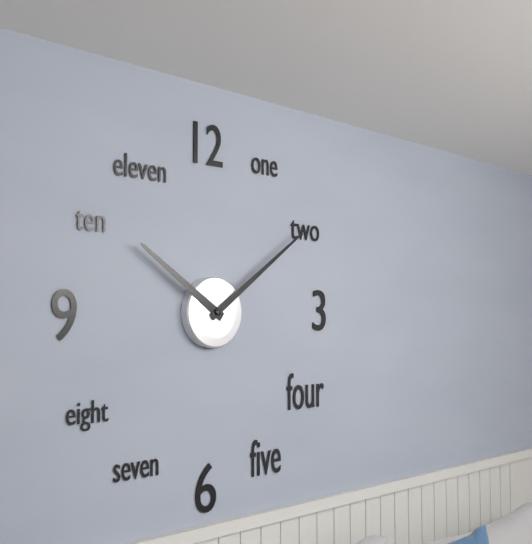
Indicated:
10:09
